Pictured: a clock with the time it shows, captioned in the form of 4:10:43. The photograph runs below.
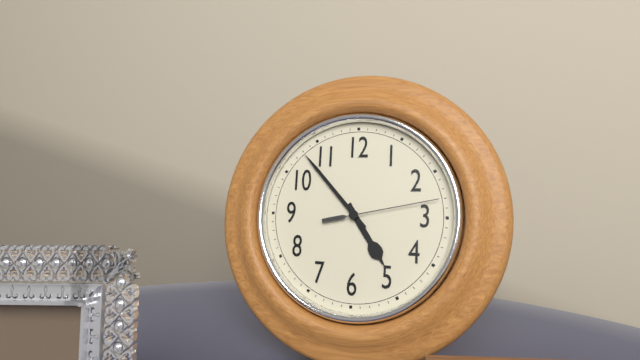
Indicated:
4:53:13
